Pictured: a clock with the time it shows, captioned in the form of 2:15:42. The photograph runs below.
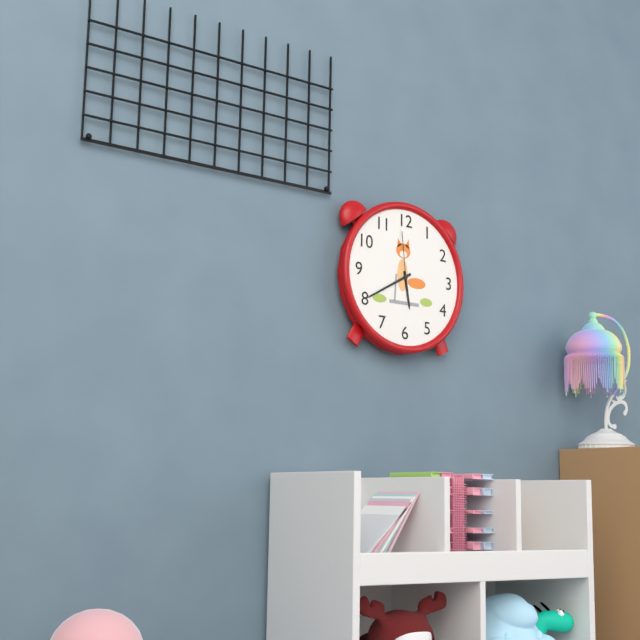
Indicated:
5:40:59
